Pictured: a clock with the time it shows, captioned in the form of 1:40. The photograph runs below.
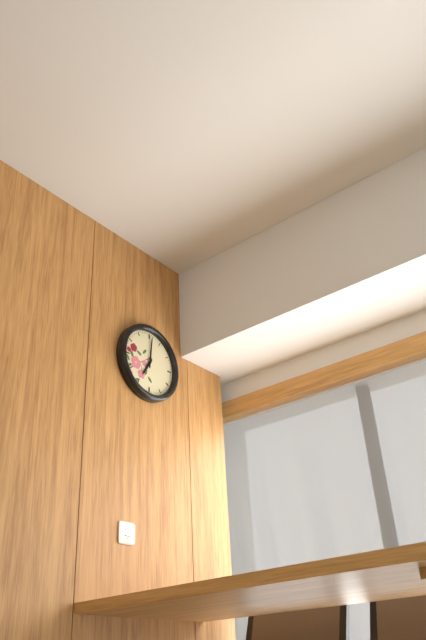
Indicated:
7:01
